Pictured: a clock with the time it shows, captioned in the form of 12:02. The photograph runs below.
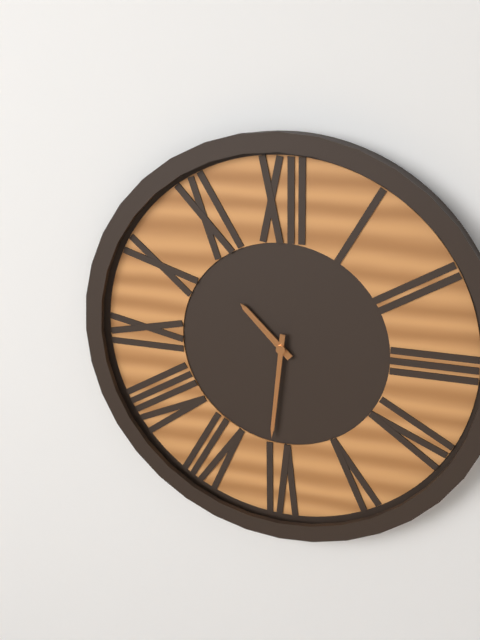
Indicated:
10:31
